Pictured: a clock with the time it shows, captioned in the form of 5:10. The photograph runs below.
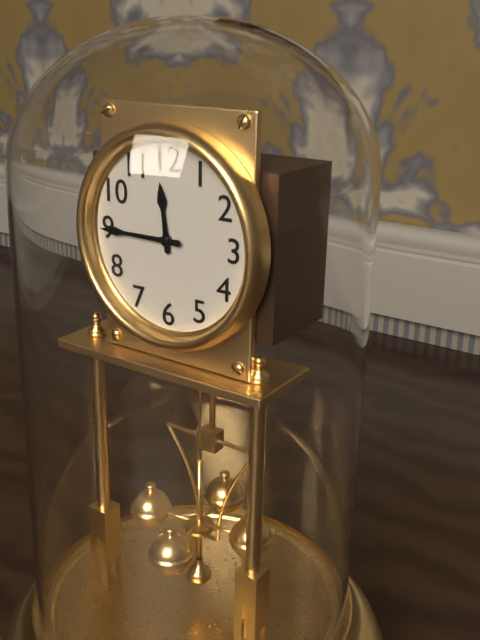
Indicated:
11:45
